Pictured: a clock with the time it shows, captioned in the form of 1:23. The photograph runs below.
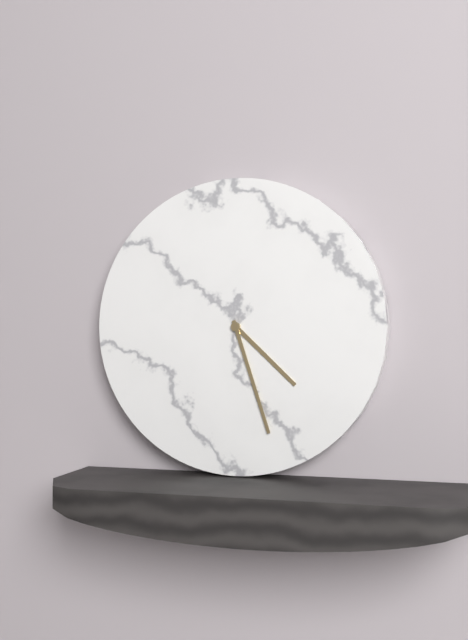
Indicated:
4:27
